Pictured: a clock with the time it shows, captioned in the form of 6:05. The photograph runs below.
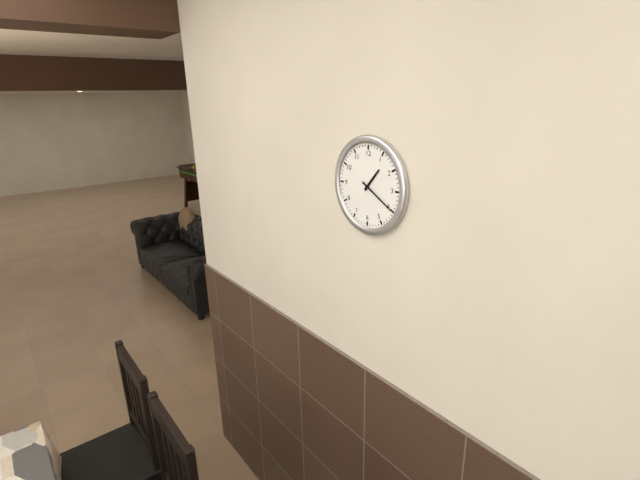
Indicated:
1:20
